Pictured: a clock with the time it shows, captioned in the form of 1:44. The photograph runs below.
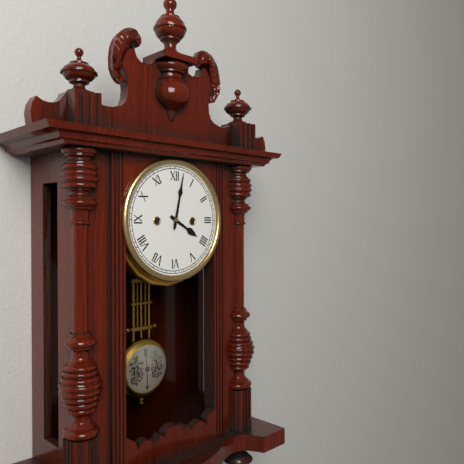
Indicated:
4:02
